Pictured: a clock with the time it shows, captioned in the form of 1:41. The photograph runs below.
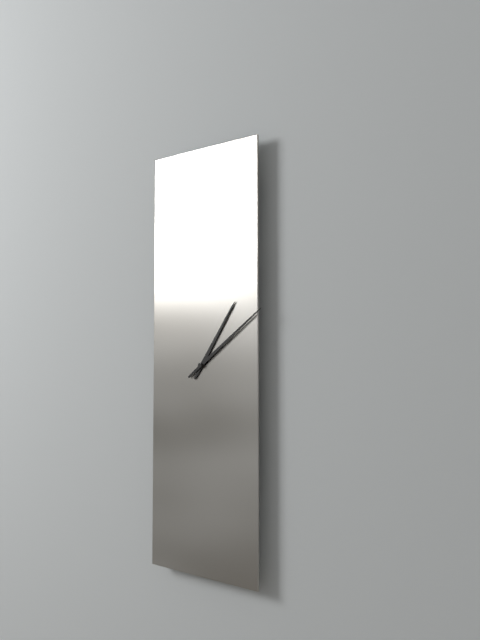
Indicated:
1:09
